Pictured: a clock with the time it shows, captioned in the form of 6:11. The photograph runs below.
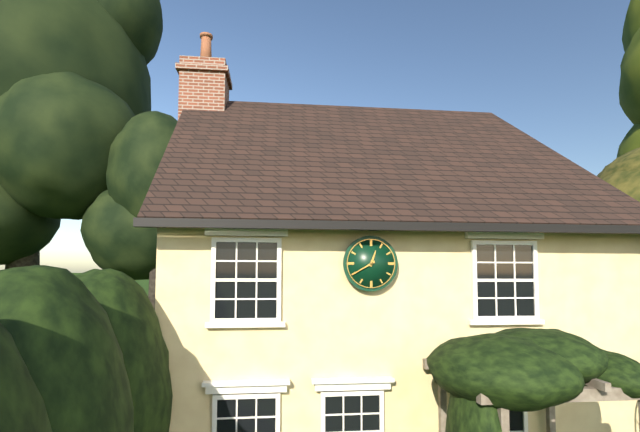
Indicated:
12:40
